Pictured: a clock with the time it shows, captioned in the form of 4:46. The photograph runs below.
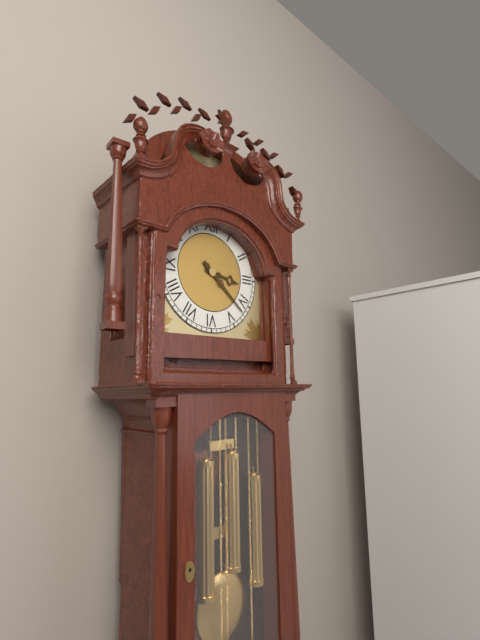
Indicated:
3:22
